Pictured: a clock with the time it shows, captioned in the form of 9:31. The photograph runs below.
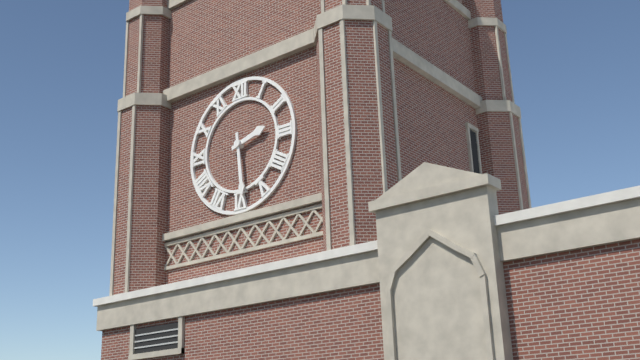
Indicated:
2:29
